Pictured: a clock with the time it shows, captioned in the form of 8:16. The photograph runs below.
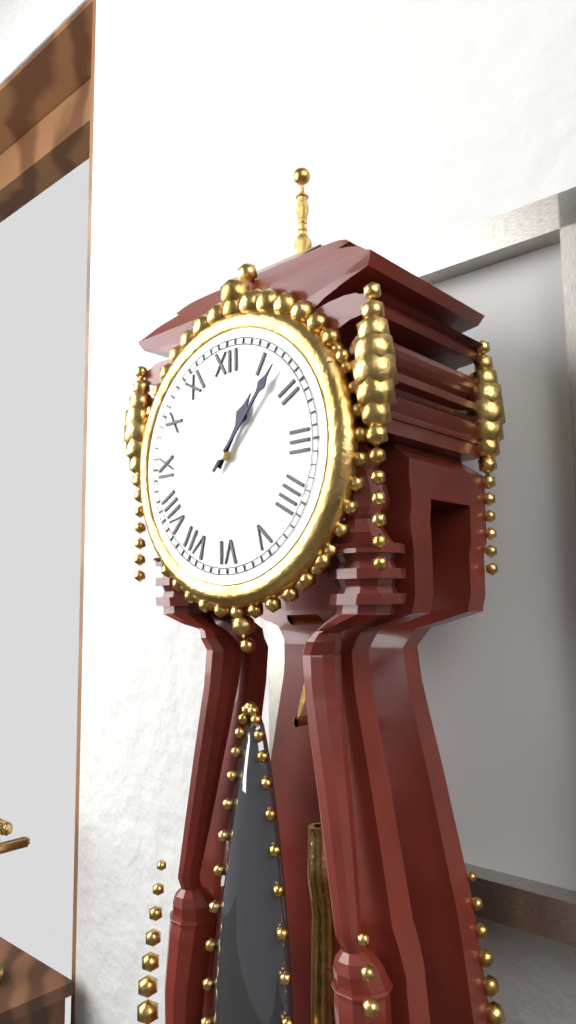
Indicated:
1:07
